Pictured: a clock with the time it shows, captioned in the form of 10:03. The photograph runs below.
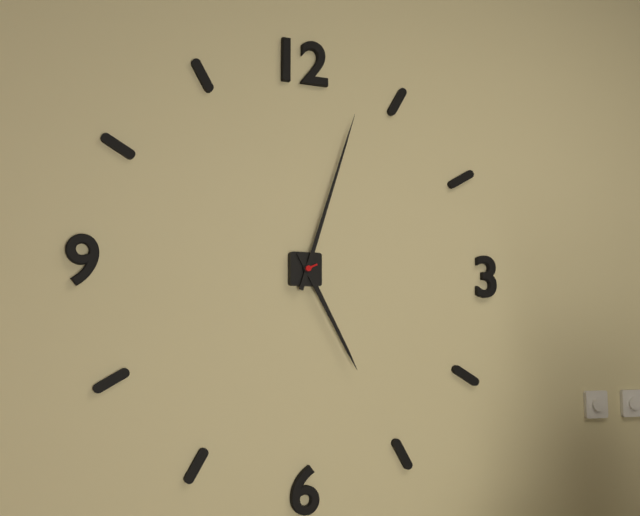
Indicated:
5:03
